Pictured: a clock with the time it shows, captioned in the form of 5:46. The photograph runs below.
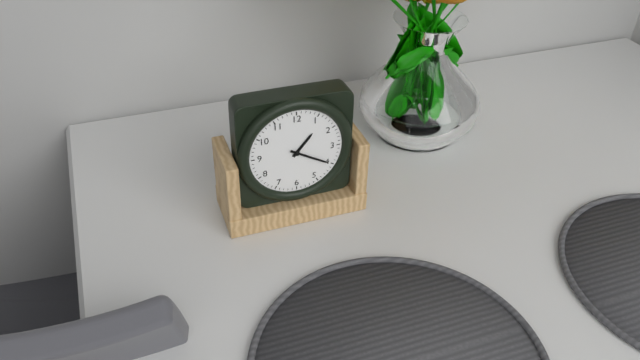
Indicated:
1:20
